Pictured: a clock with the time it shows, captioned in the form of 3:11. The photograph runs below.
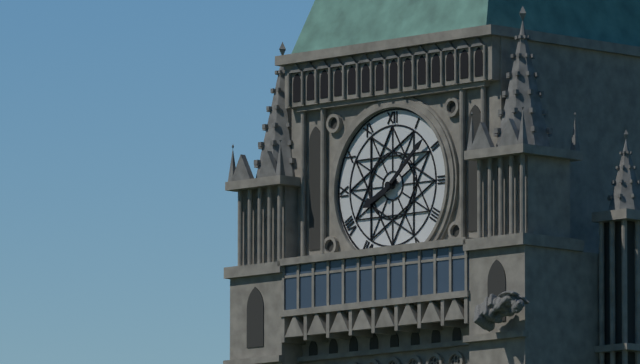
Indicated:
8:08
